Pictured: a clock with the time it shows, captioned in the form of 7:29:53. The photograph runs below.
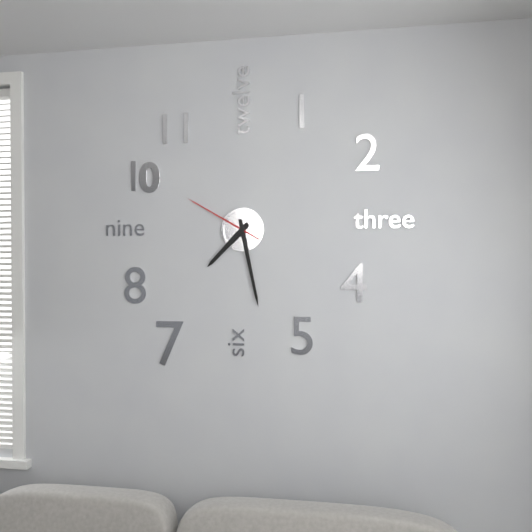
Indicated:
7:28:50
